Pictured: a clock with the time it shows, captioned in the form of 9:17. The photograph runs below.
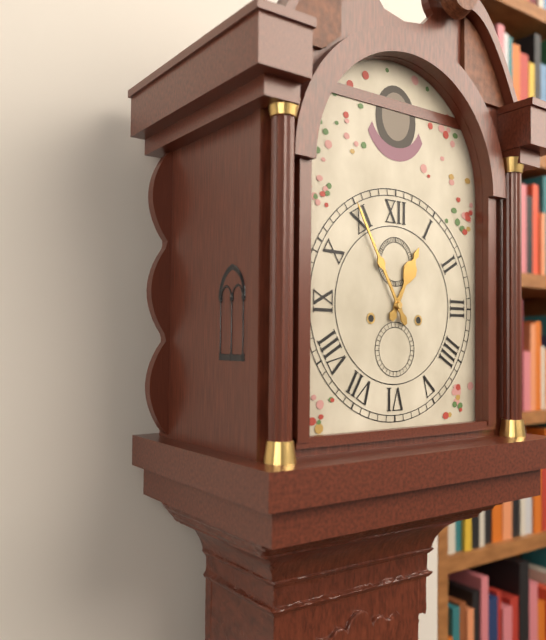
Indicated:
12:55
